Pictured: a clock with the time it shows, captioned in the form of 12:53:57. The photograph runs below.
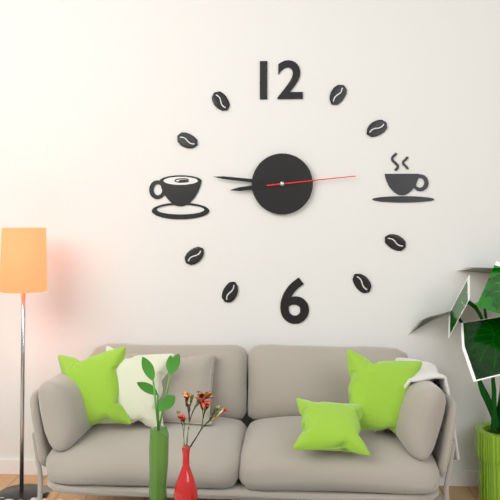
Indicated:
8:46:14
